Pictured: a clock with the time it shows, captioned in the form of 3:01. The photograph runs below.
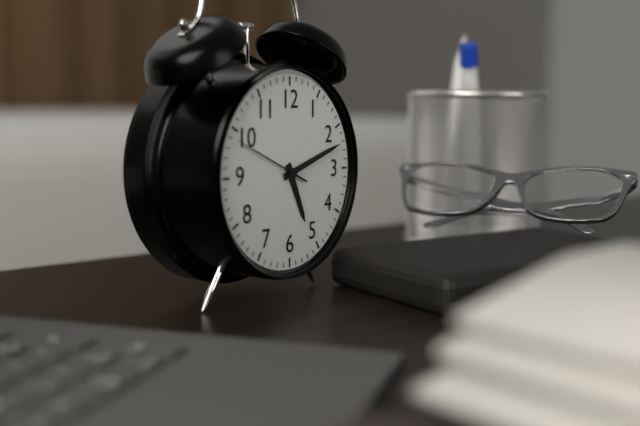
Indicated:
5:12
